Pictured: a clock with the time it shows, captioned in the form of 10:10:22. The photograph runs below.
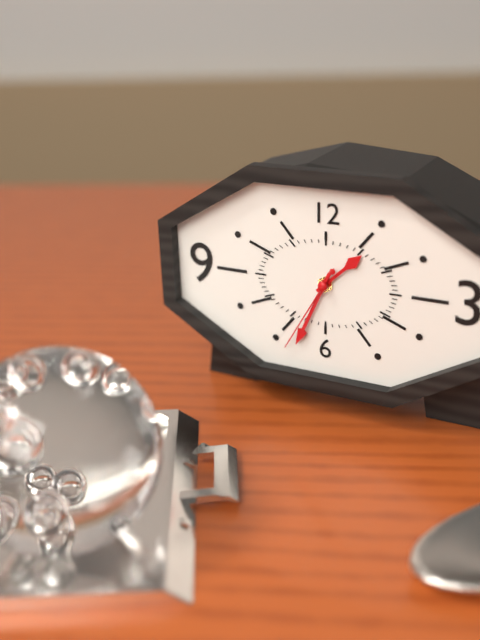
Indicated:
1:34:35
